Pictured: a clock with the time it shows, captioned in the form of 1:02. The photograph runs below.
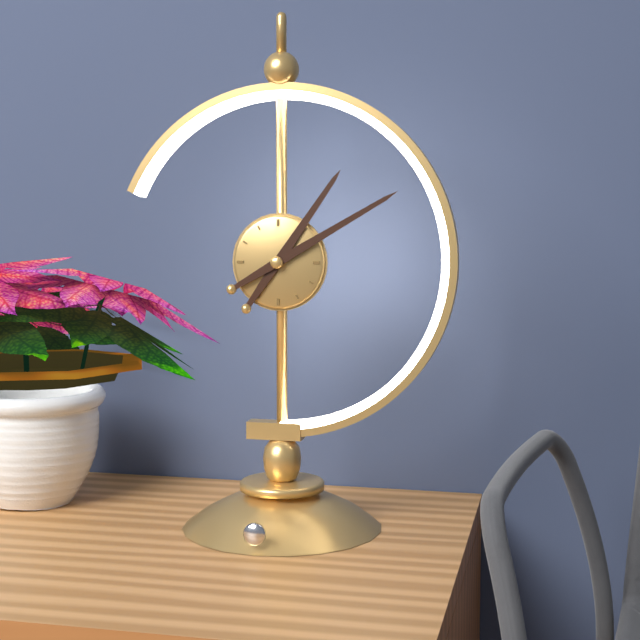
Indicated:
1:10
